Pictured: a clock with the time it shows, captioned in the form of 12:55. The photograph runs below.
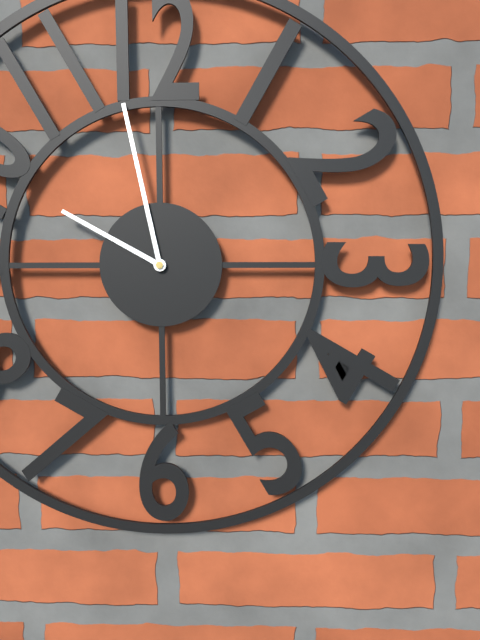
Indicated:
9:58
